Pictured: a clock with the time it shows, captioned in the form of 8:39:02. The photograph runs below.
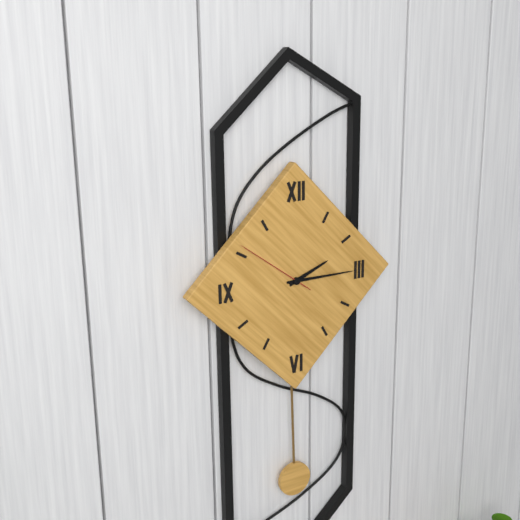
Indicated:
2:15:51
